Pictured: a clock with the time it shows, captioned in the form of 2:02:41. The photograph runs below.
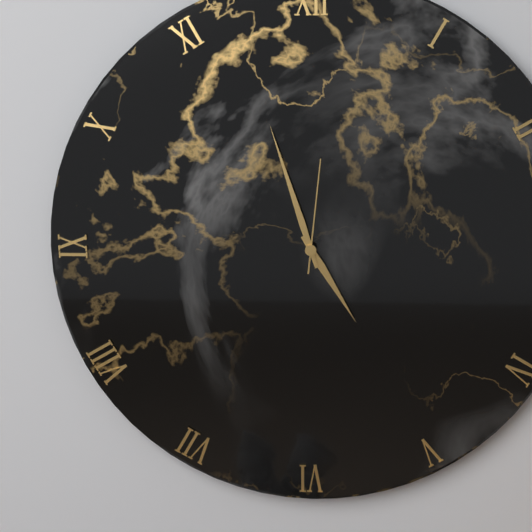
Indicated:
4:57:01
